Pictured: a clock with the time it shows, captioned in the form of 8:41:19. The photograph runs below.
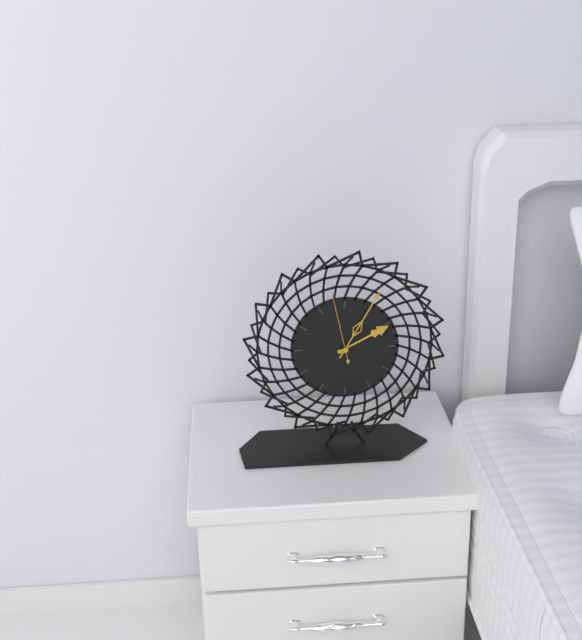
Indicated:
2:05:58
